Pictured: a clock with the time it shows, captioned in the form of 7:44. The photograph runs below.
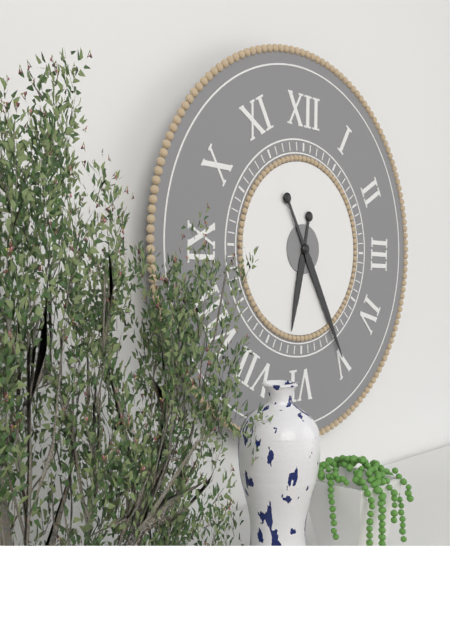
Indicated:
6:25
